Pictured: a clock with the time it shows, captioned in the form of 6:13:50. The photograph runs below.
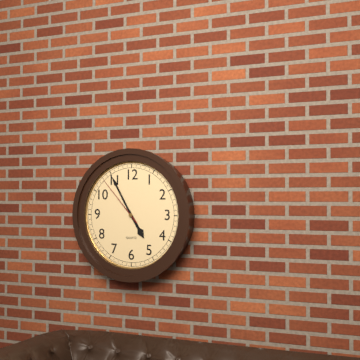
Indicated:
4:55:53
